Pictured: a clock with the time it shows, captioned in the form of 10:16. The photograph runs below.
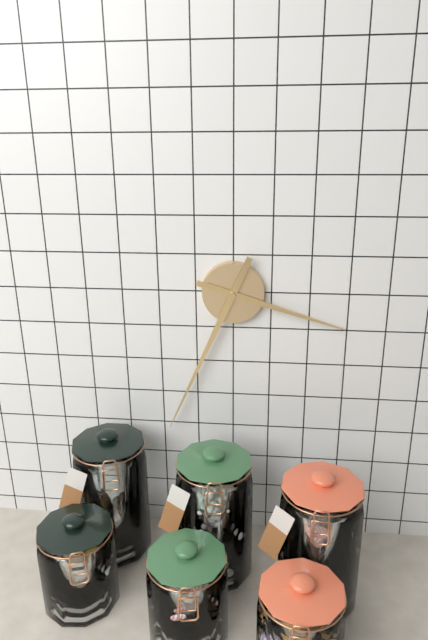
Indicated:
3:34
